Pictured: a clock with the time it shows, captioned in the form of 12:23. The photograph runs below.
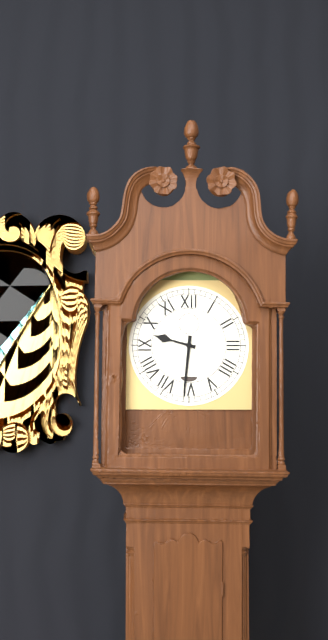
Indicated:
9:31
